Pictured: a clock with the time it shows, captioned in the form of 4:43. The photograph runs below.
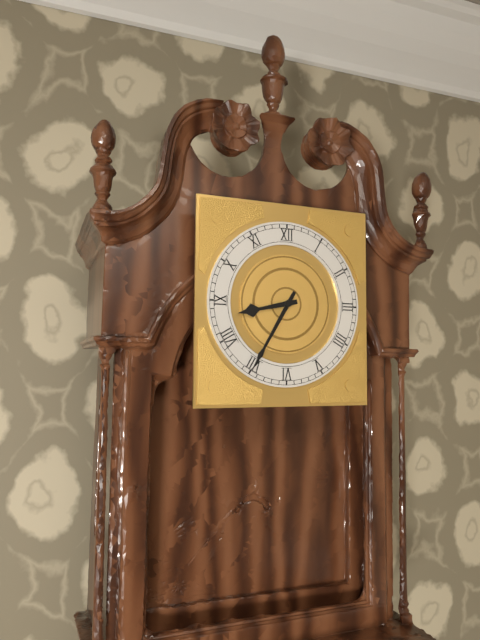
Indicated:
8:35
